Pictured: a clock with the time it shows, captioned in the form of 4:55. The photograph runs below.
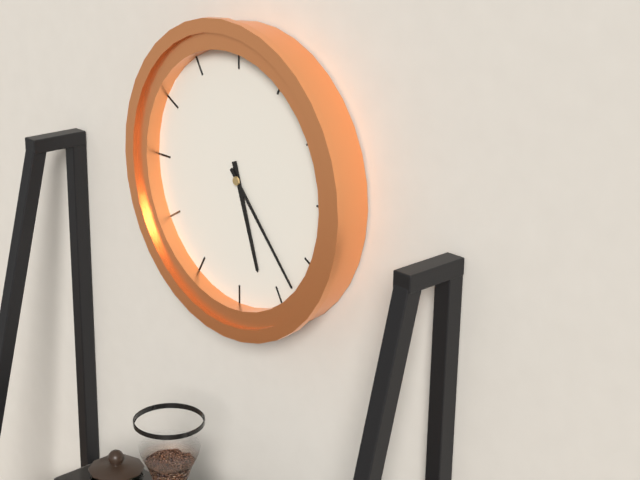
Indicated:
5:23
